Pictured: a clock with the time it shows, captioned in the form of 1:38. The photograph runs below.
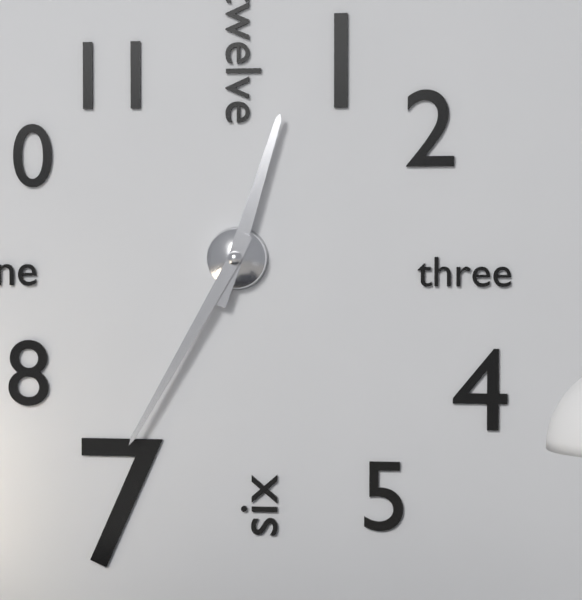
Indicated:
12:35
